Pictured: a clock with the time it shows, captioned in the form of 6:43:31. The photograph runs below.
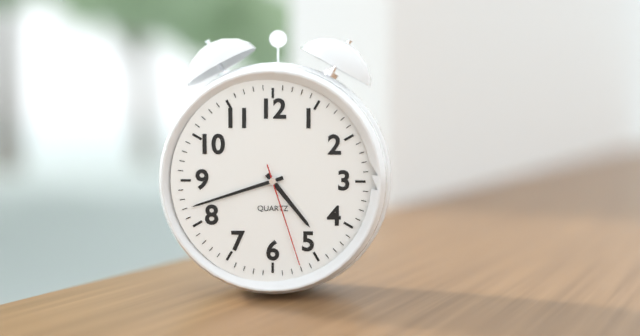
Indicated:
4:42:27
